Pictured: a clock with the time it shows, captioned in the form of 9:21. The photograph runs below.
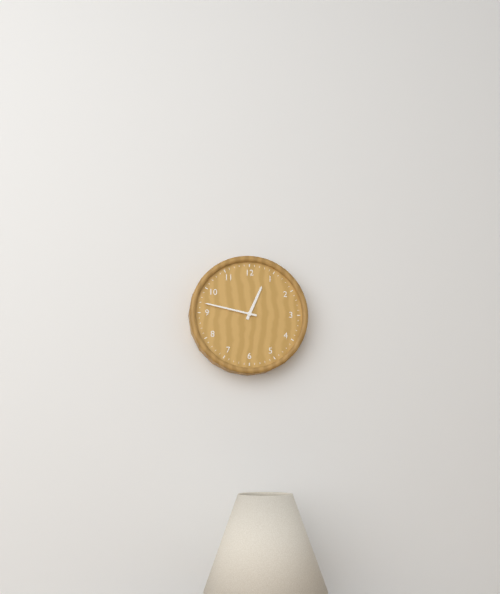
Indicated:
12:47
